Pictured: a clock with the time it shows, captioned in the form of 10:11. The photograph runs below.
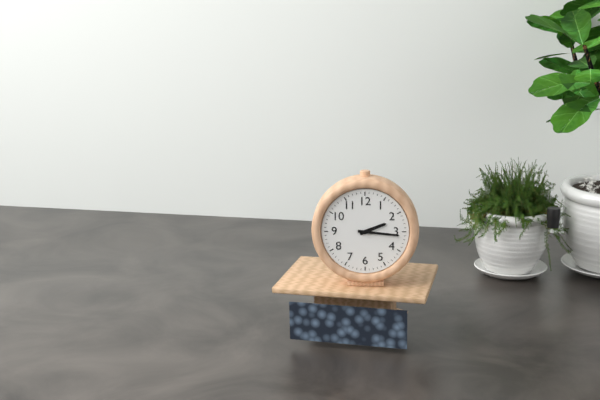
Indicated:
2:16
